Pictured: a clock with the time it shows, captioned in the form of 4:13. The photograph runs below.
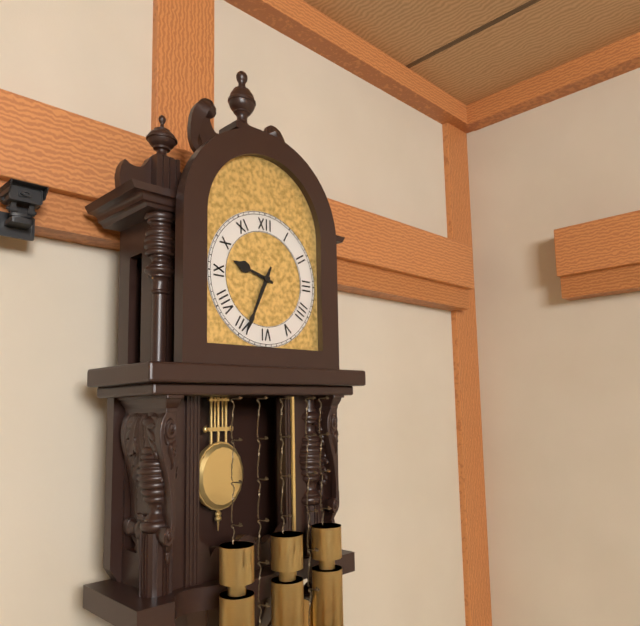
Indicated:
9:34
